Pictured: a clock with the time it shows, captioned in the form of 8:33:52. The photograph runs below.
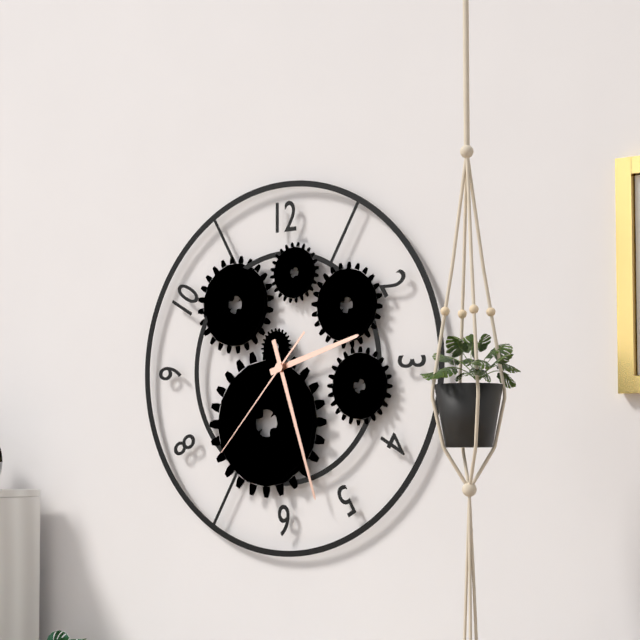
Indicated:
2:27:37
